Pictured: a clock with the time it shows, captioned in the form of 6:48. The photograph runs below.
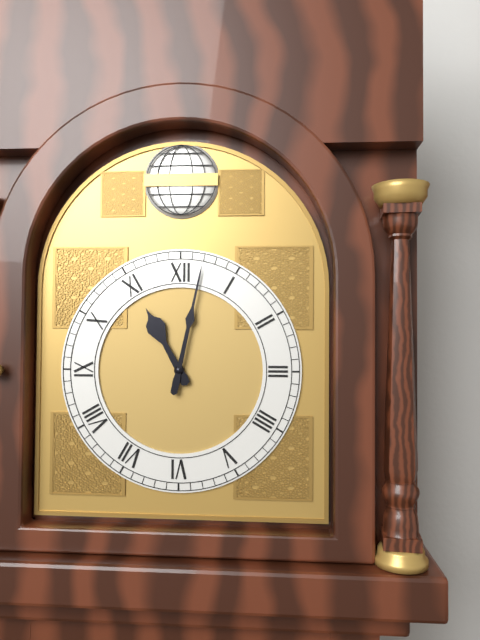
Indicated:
11:02
